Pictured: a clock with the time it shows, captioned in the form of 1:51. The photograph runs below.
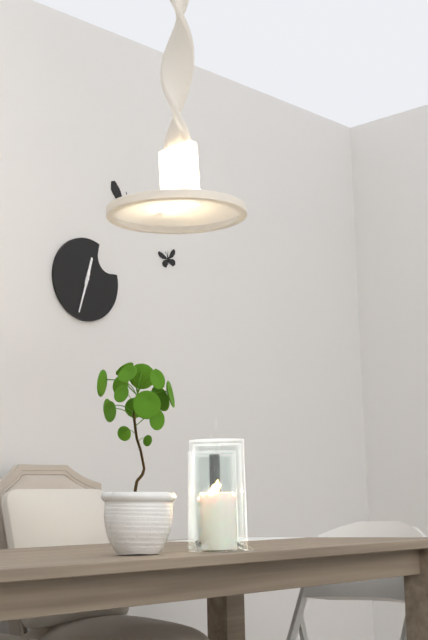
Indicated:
12:33
